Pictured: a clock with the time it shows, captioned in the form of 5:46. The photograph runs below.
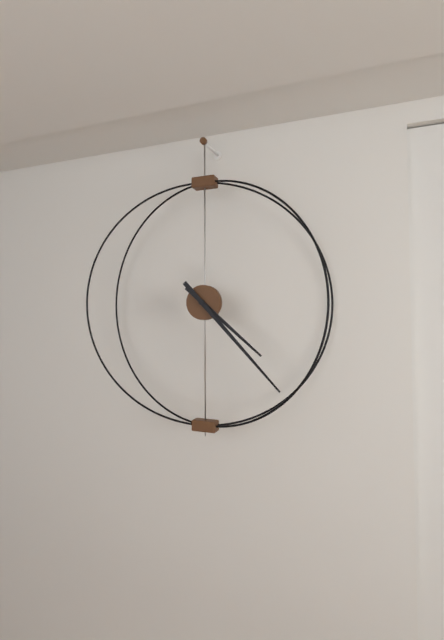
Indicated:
4:23
